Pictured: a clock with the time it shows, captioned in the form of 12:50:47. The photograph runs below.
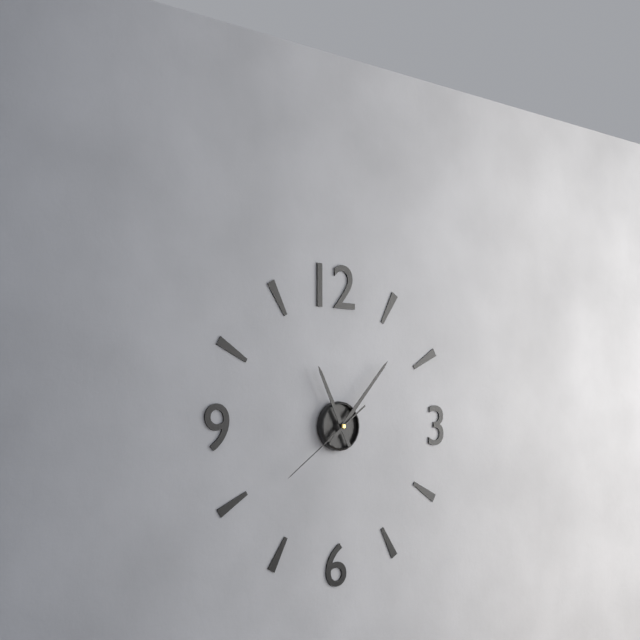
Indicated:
11:07:39
